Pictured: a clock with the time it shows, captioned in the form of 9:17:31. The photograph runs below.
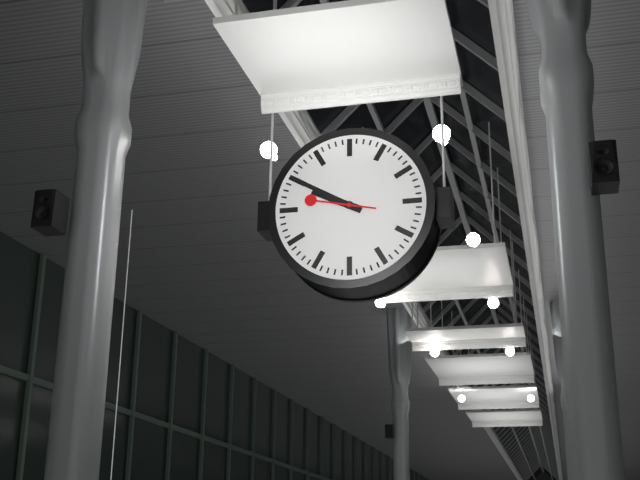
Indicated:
9:50:47
